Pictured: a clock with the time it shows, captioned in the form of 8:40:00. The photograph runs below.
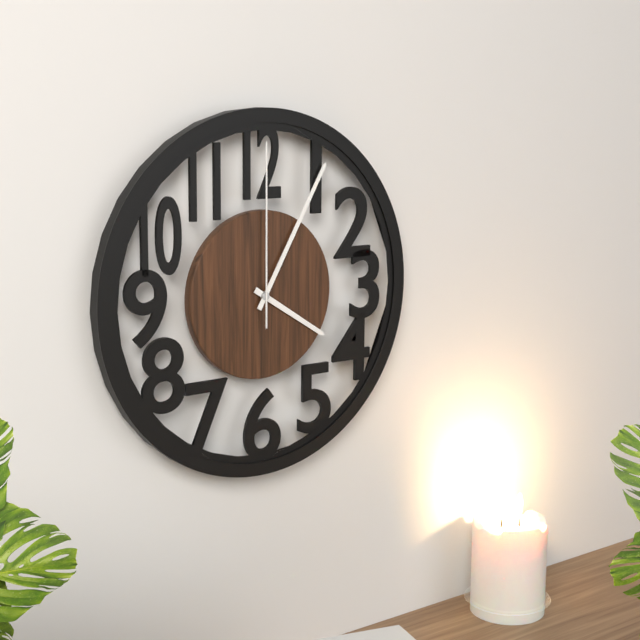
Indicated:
4:05:00
